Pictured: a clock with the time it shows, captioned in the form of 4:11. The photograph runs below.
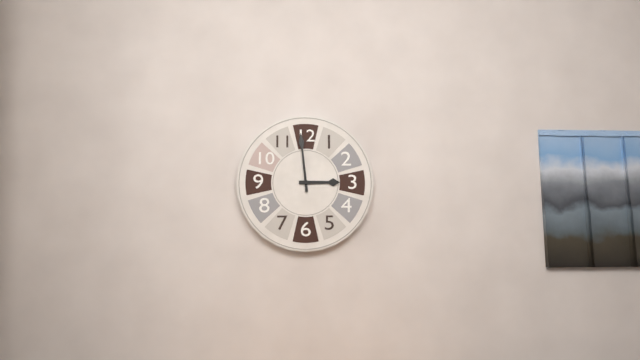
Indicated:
2:59
